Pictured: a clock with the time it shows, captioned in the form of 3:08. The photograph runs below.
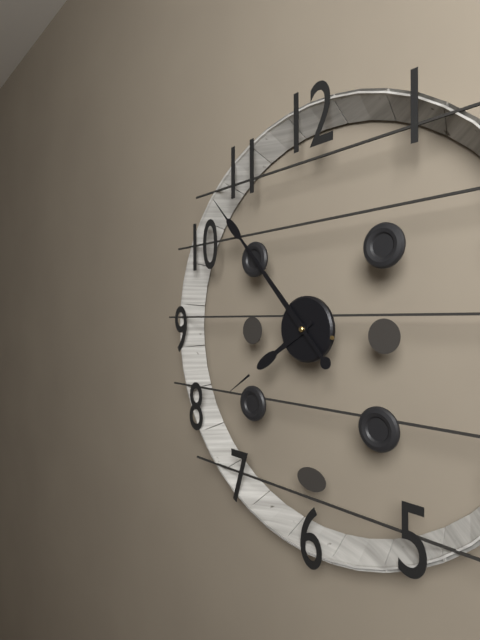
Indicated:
7:53
